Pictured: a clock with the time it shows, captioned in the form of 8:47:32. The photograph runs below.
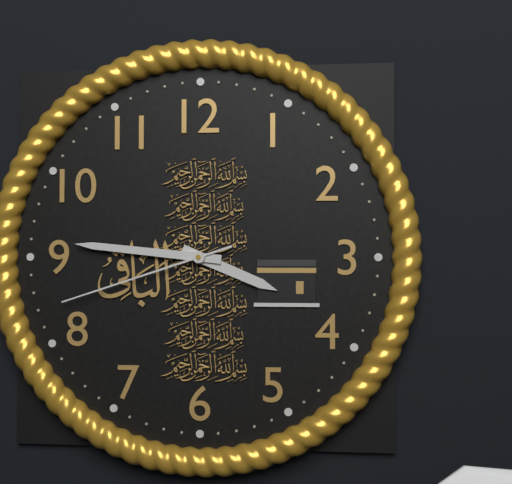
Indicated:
3:46:42
